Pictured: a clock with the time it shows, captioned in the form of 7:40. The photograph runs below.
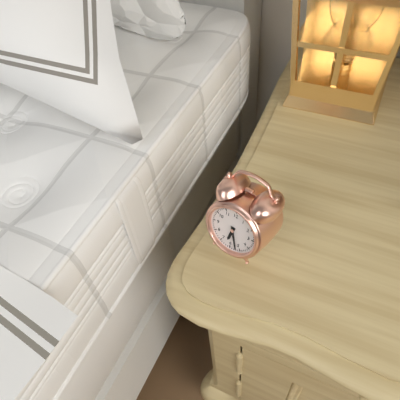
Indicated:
6:27
